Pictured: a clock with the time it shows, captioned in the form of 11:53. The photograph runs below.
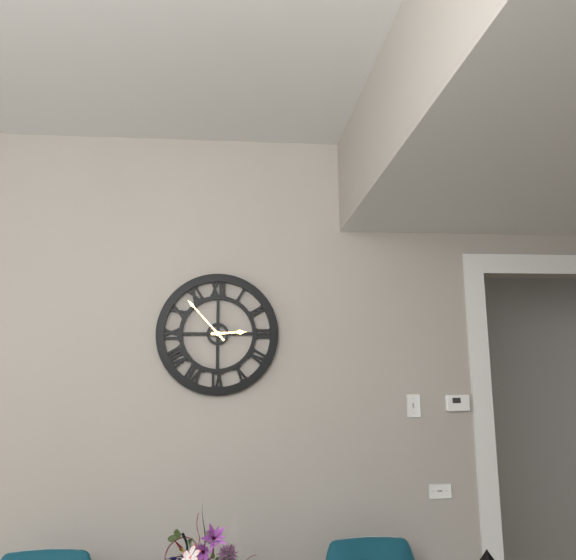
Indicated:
2:53
